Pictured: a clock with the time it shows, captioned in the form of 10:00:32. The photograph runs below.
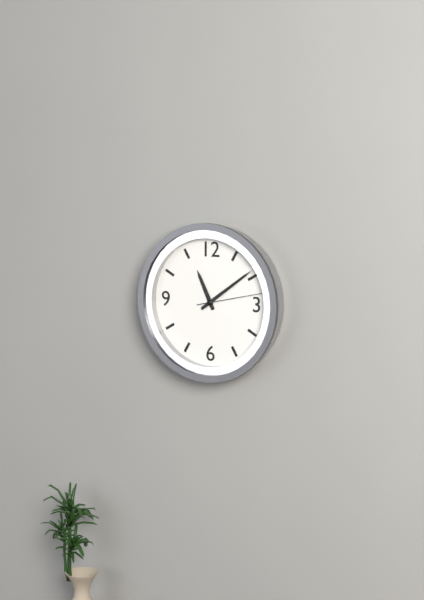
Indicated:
11:09:13
